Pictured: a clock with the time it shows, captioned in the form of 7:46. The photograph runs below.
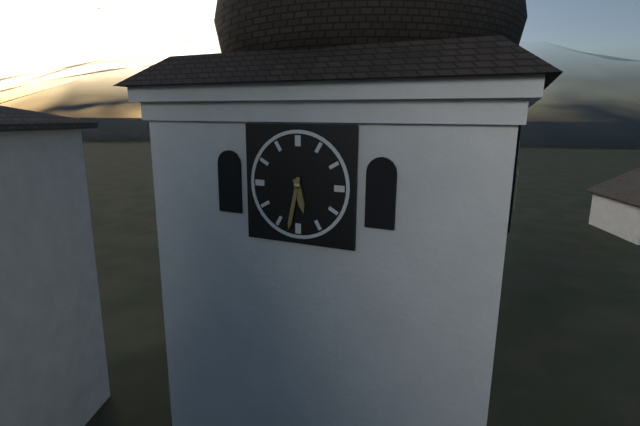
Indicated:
5:32
